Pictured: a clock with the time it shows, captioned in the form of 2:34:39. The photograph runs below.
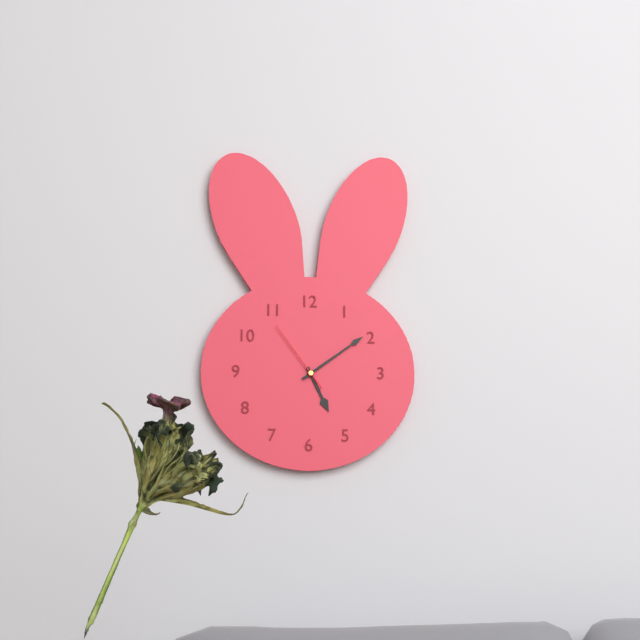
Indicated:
5:09:54
